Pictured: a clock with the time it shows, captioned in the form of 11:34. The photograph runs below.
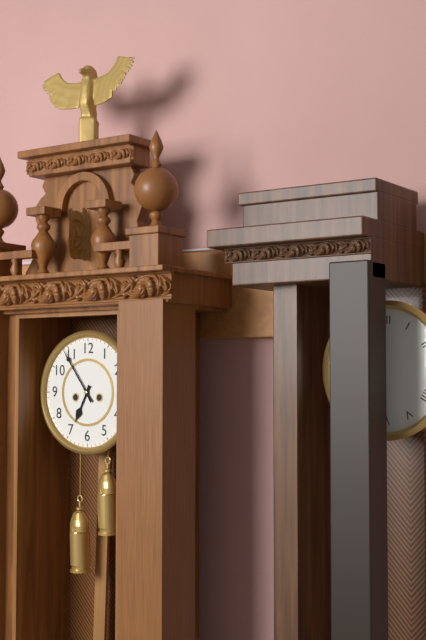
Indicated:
6:54
